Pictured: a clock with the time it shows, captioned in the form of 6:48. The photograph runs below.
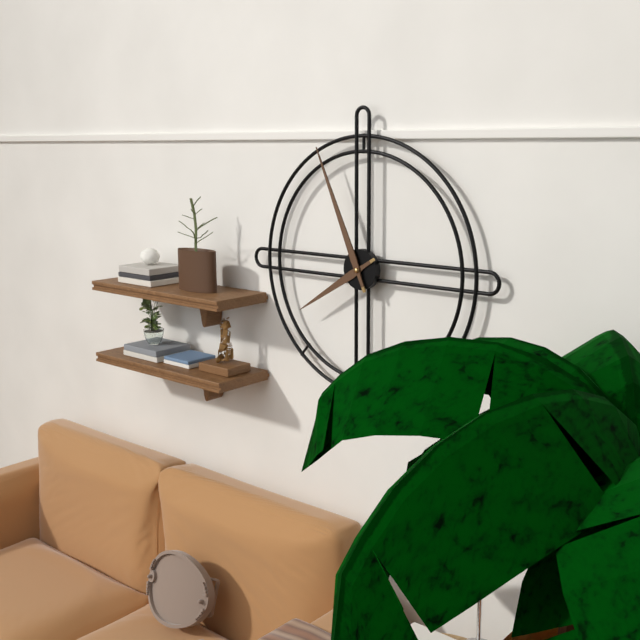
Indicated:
7:56
